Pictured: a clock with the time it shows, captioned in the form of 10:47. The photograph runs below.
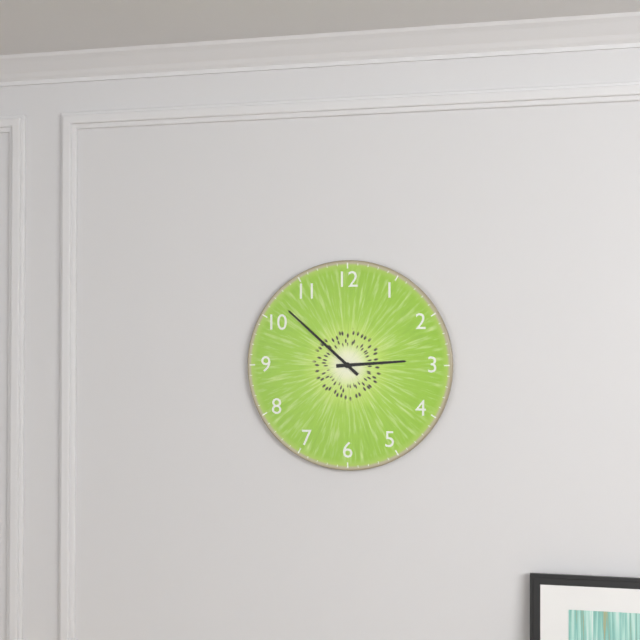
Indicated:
2:52
